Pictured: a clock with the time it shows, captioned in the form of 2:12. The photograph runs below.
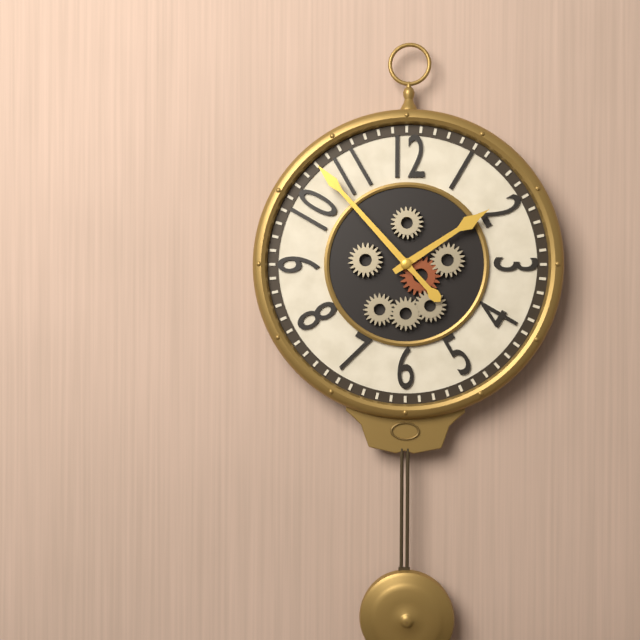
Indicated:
1:53
